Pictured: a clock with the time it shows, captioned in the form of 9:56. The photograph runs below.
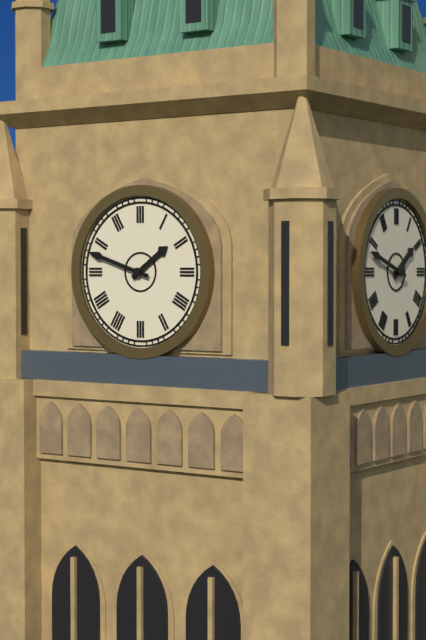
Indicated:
1:48
